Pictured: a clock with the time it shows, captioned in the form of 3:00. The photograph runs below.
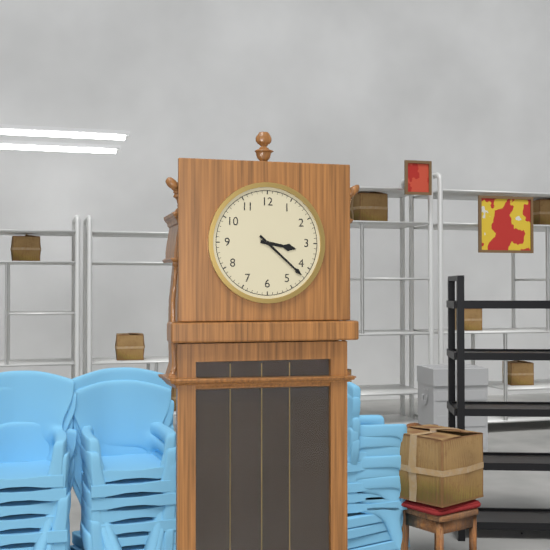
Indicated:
3:22
